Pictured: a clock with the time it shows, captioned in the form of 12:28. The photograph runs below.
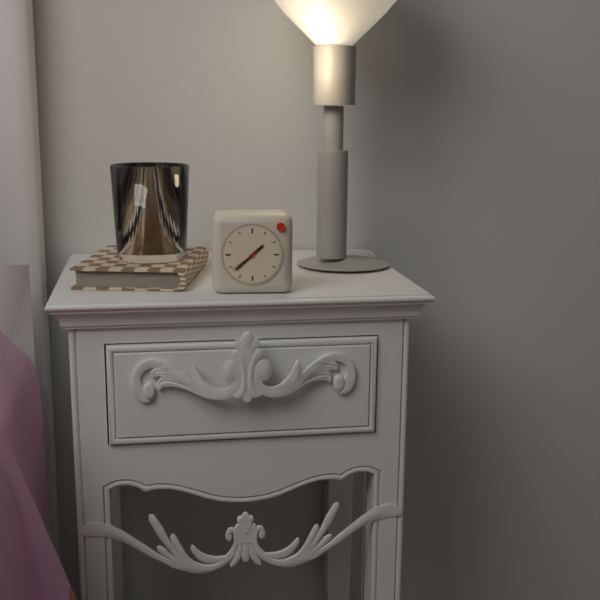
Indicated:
1:38
